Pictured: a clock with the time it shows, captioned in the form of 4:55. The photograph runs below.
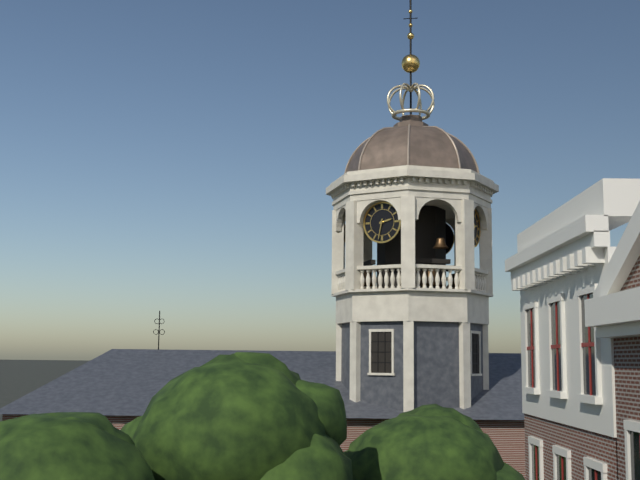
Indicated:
2:32
